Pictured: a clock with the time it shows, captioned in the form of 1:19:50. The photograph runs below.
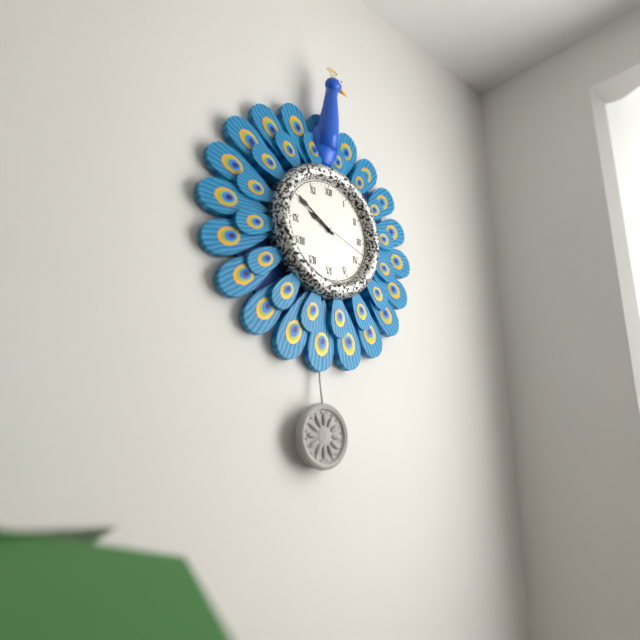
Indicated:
9:50:18
